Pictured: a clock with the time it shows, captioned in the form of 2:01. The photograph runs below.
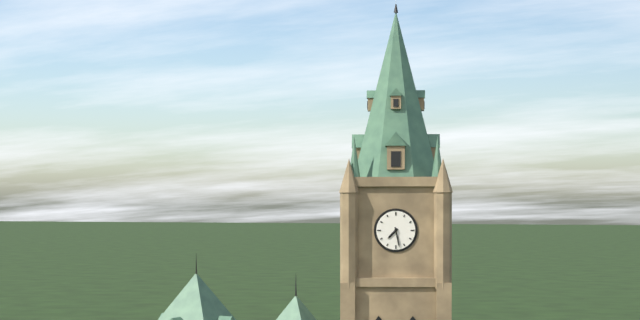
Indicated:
7:28
